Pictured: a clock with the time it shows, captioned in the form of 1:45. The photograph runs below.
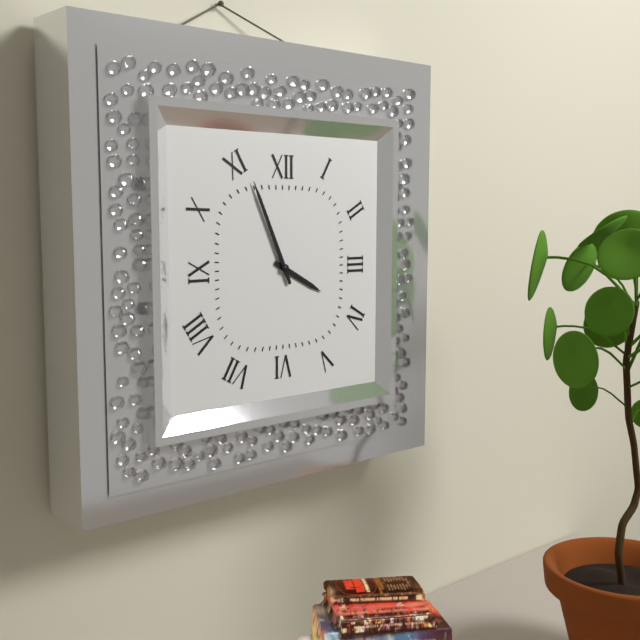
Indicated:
3:56
